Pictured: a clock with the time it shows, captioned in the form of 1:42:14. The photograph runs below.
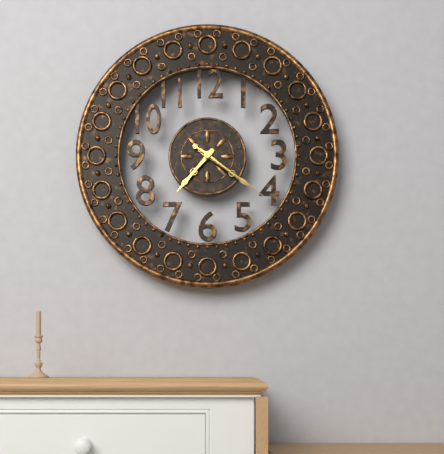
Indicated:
7:21:21
